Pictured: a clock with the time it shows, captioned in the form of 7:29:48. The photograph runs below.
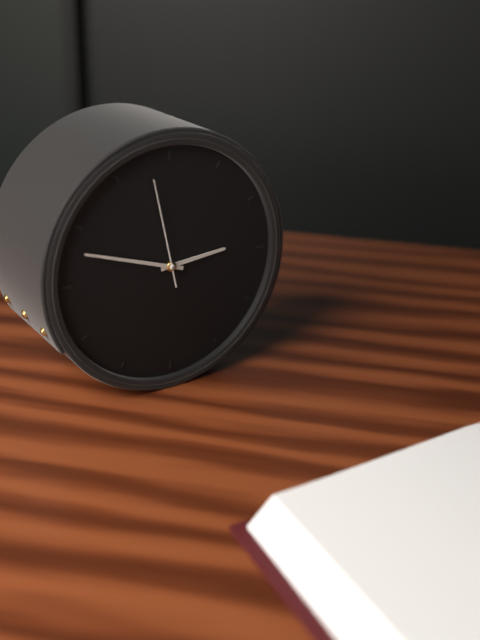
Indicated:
2:48:58
